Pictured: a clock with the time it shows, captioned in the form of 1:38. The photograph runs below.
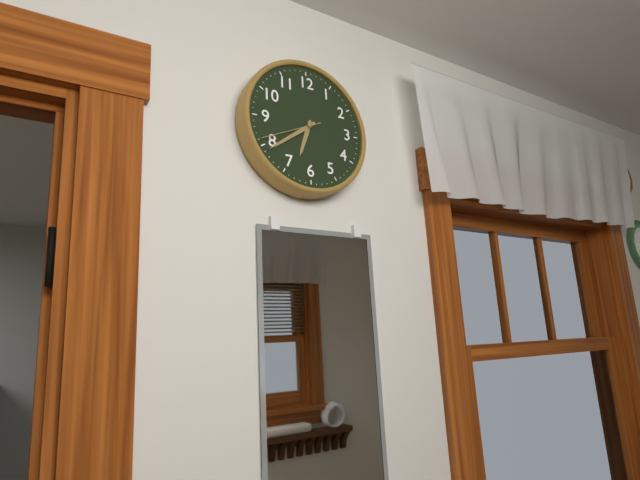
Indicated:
6:39
